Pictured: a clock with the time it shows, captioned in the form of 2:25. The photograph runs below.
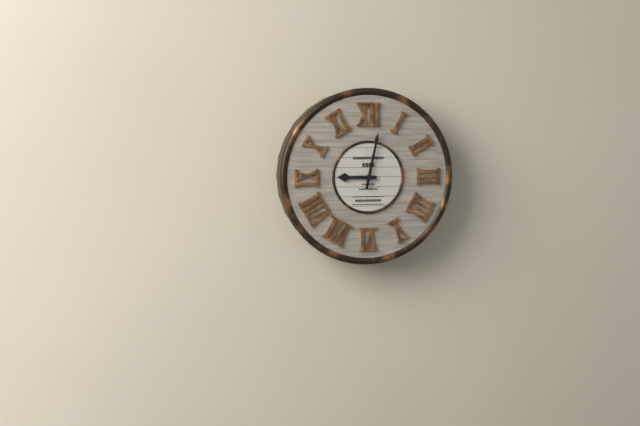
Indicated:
9:02
